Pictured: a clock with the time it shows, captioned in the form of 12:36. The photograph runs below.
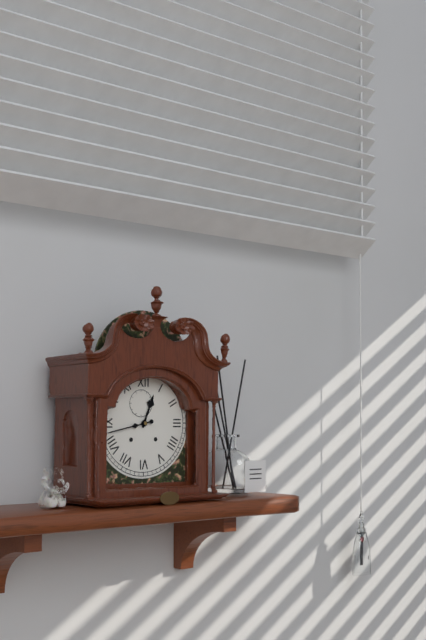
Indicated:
12:43
